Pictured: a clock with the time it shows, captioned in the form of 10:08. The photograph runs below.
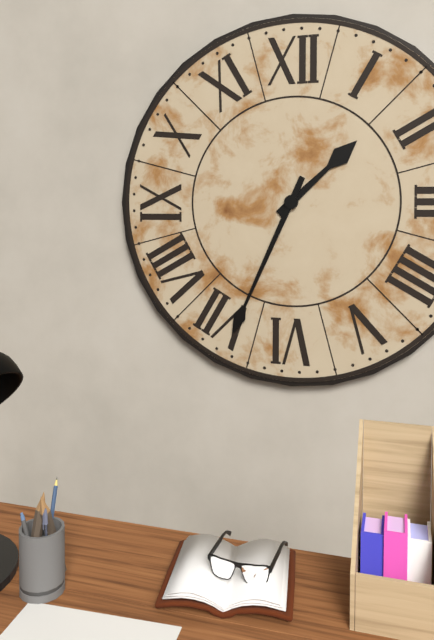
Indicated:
1:34
